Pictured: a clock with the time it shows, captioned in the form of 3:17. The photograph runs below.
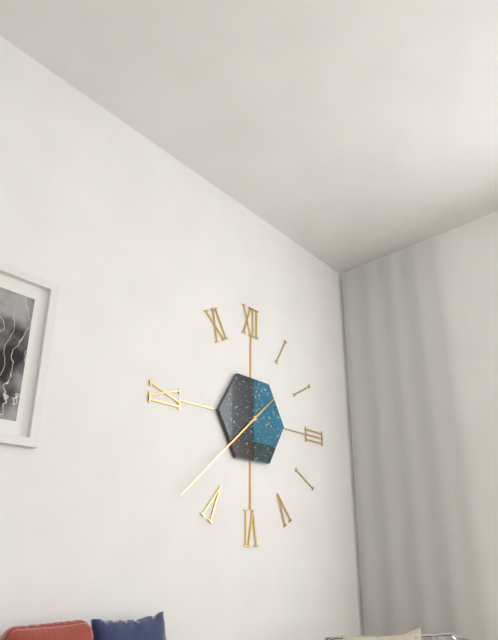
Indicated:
1:38
